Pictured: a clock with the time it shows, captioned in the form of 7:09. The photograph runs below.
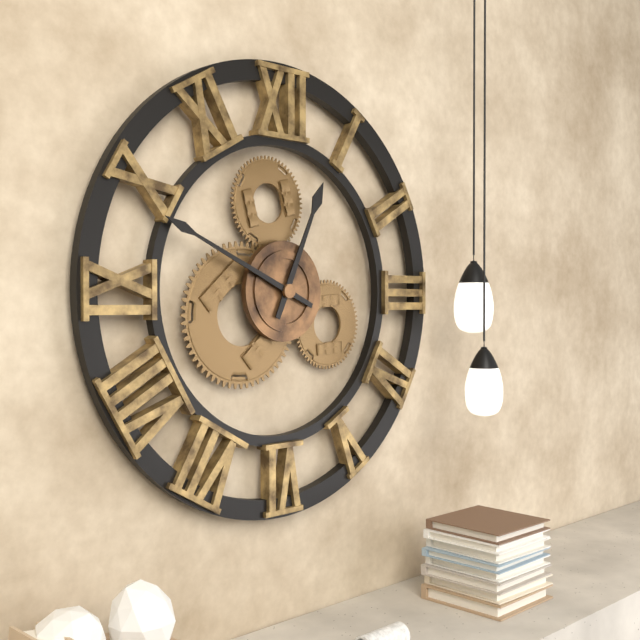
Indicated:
12:49
